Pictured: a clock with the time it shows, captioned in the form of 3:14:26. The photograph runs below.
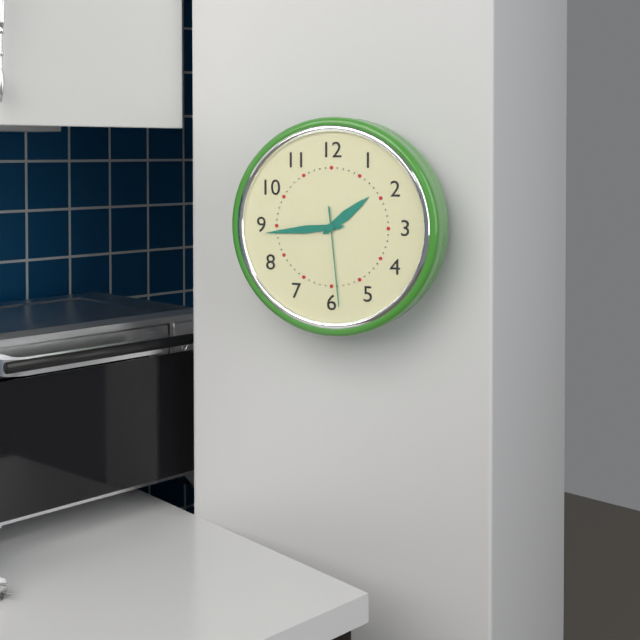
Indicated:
1:44:29
